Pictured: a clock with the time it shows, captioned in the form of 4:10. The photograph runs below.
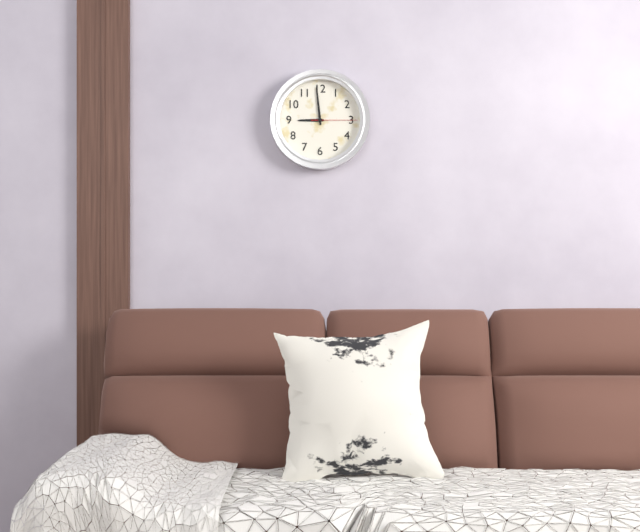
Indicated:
8:59
